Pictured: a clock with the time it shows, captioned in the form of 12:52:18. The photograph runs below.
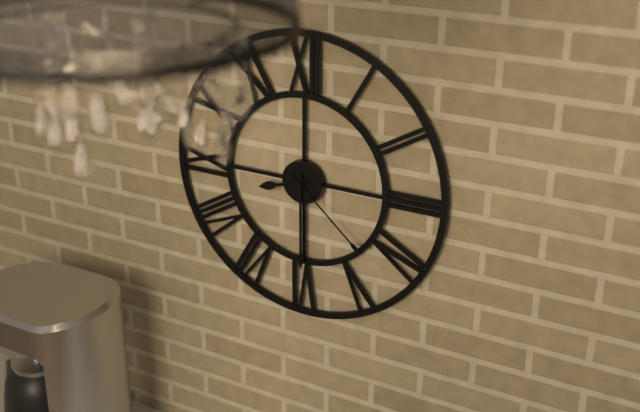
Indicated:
8:30:22
